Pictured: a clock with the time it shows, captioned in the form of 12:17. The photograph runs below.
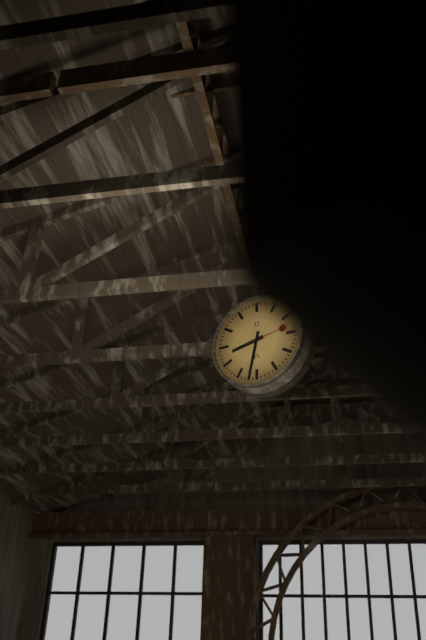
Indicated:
8:32
